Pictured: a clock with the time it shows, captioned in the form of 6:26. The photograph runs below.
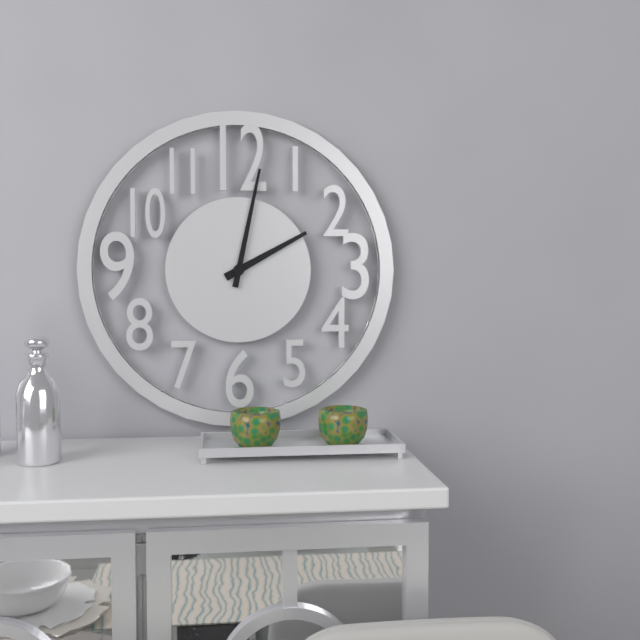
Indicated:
2:02
